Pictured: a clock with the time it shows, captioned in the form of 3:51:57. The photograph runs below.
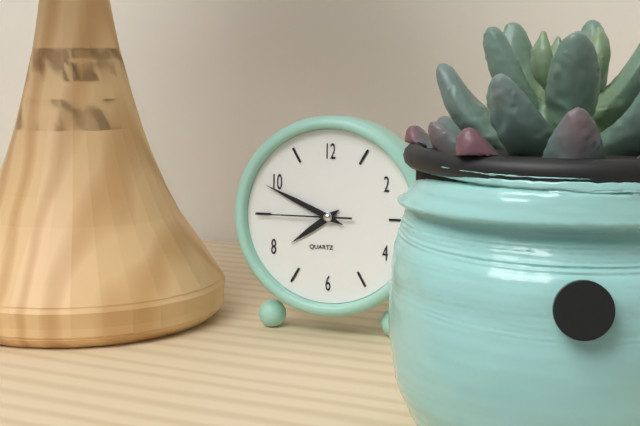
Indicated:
7:49:45
